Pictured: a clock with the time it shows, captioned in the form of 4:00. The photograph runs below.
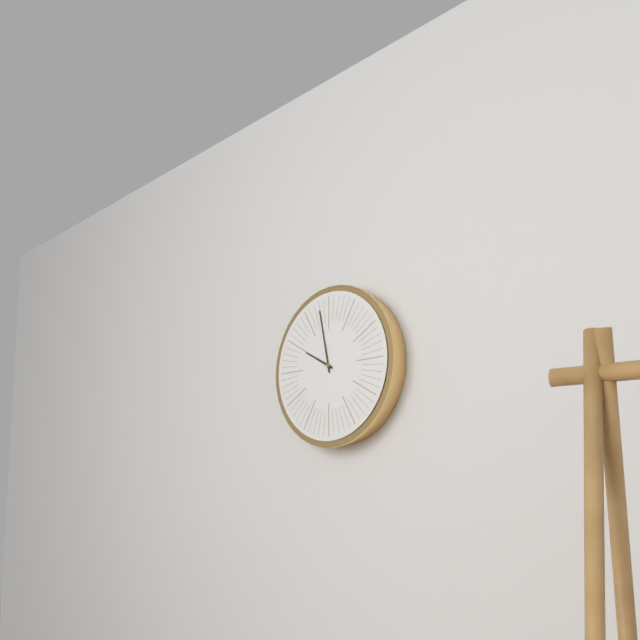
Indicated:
9:58
